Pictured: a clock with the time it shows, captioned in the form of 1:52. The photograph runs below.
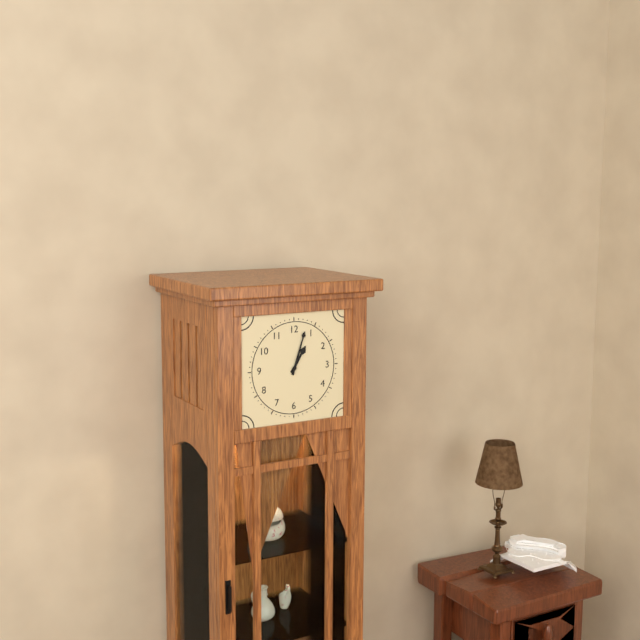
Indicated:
1:03
